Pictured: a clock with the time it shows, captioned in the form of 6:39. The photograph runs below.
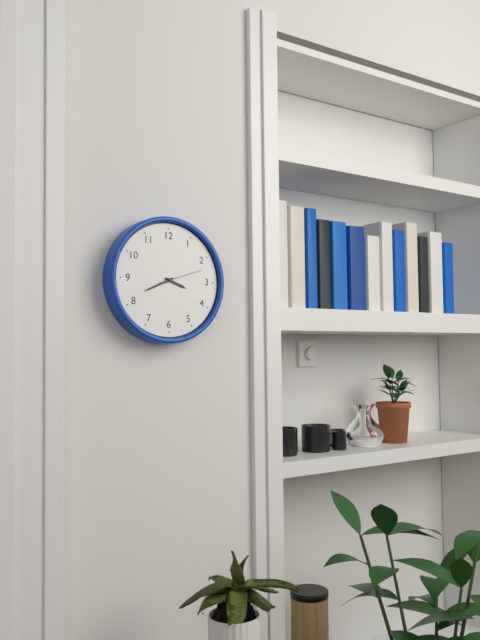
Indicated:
3:41
